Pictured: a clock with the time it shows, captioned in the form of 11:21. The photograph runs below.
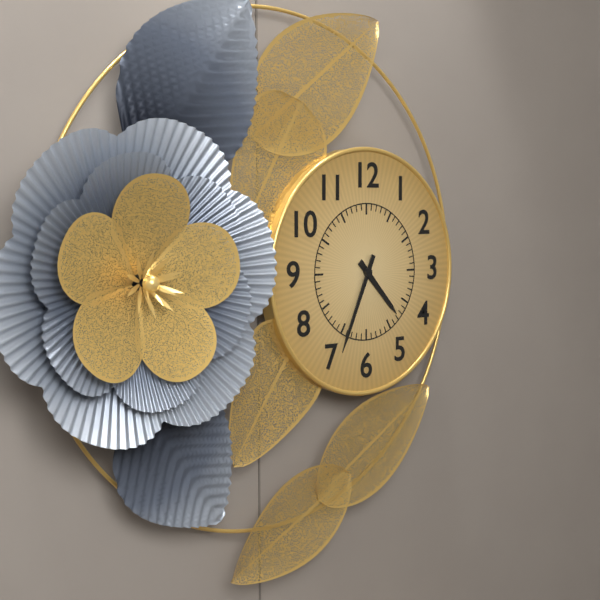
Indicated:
4:34
